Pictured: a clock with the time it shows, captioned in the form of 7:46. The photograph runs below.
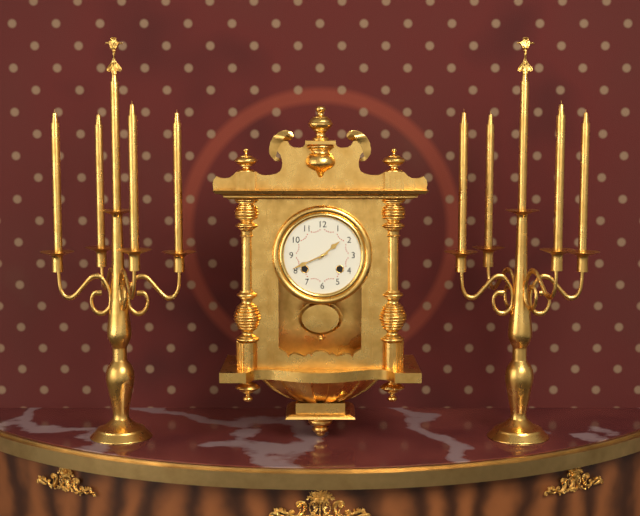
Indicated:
1:41
